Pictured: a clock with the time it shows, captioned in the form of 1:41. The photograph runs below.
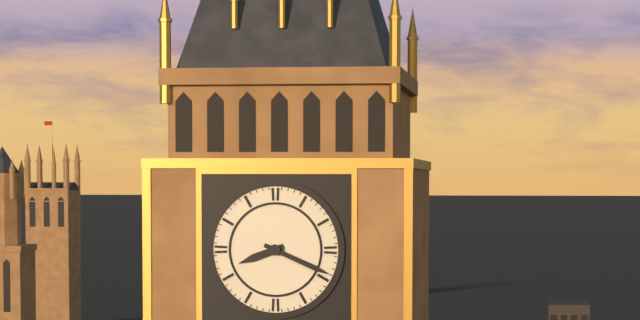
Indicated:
8:19
